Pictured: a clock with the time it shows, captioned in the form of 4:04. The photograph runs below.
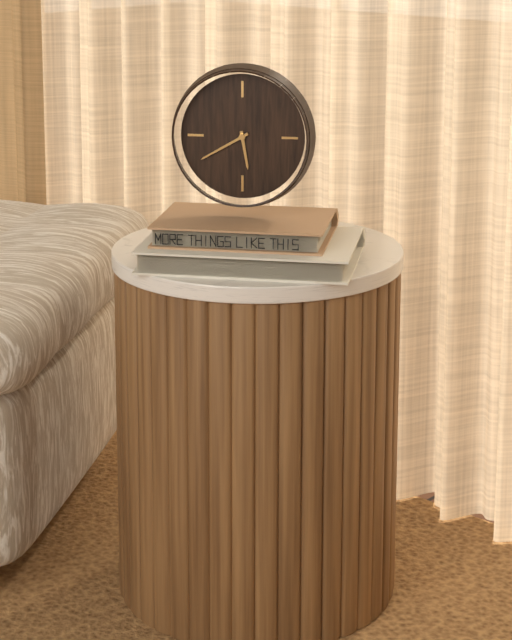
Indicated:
5:40
